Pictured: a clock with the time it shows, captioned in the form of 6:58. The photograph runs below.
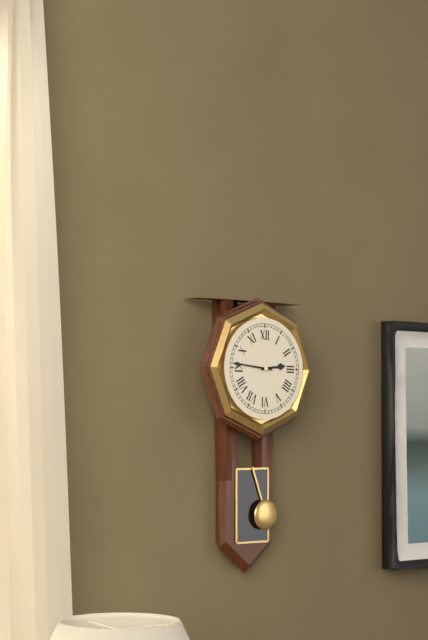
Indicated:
2:46
